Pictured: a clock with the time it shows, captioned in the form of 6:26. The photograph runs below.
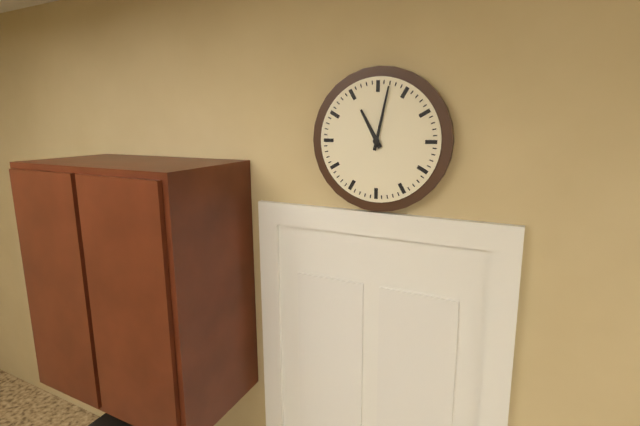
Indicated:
11:02
